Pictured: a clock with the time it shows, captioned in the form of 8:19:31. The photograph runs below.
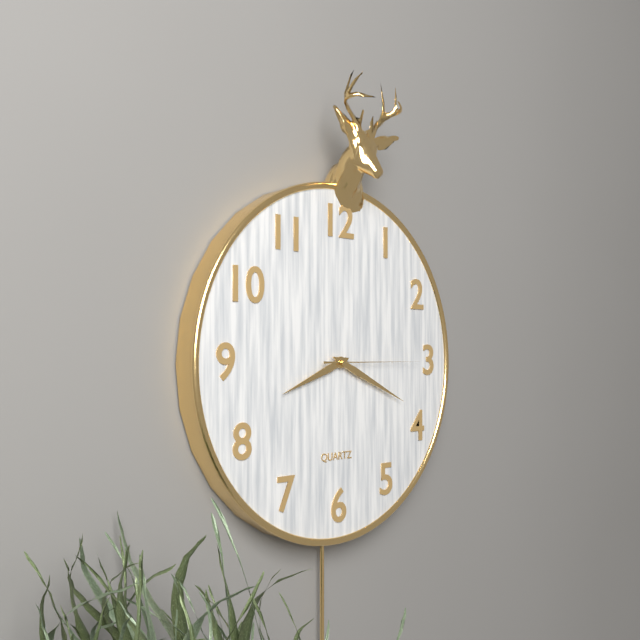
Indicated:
8:19:15
